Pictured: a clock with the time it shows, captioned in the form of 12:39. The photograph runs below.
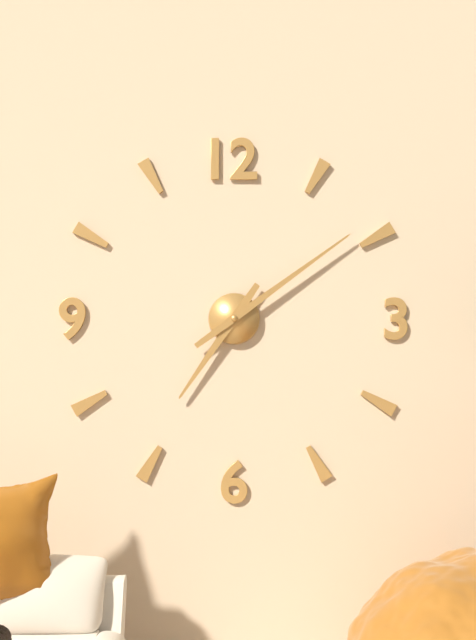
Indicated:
7:09
